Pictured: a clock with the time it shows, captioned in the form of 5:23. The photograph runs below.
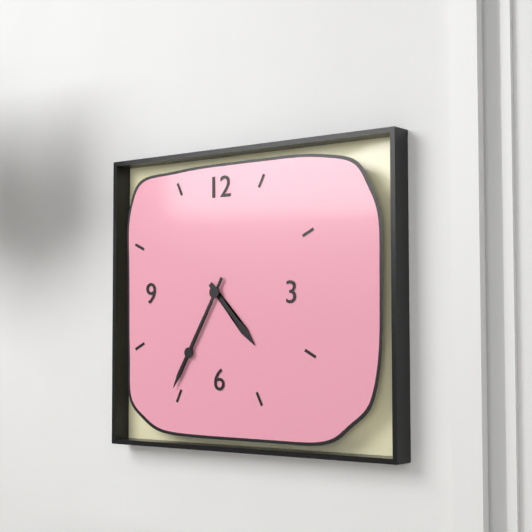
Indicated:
4:35
